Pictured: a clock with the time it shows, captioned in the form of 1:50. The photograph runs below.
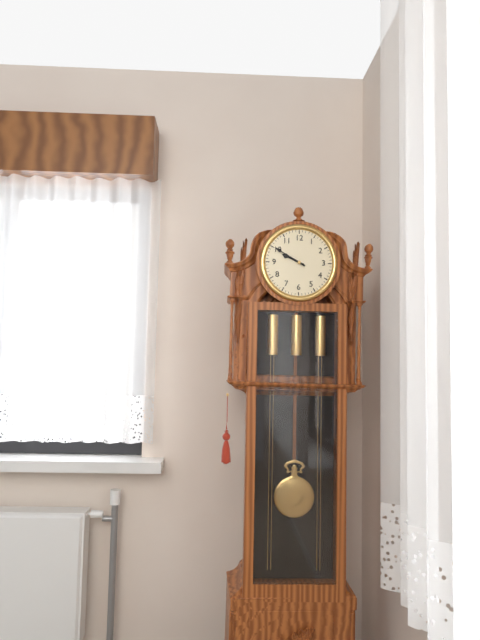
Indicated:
9:50
